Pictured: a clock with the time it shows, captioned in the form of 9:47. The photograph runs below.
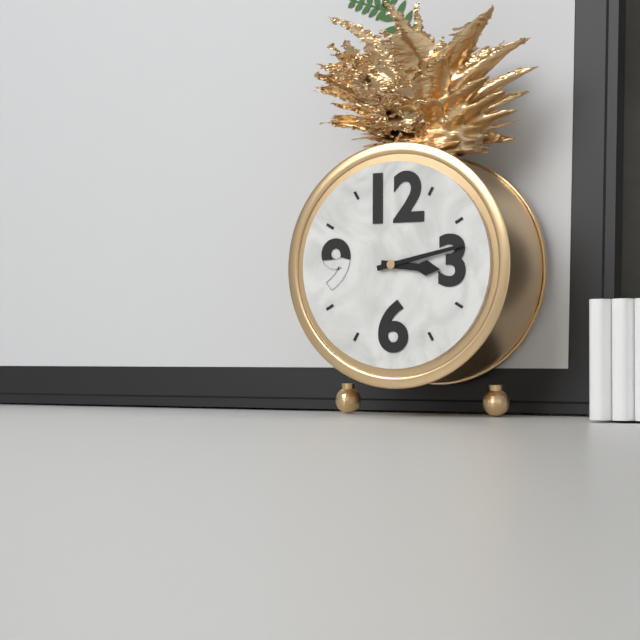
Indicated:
3:13
